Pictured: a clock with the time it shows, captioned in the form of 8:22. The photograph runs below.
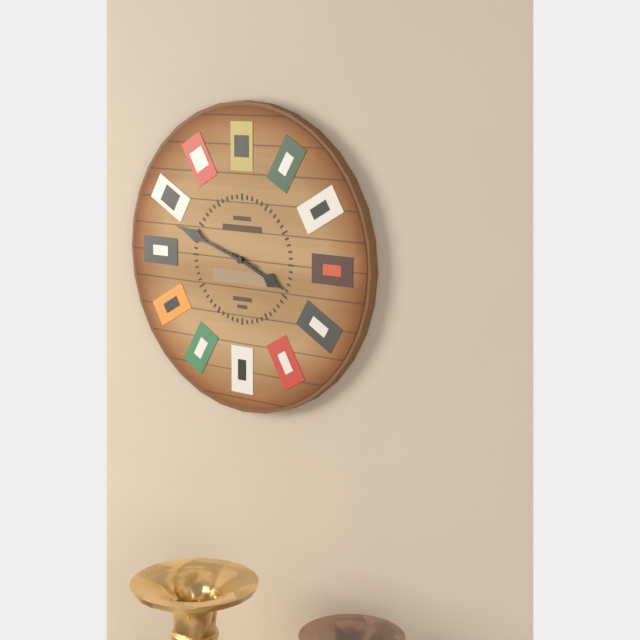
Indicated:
3:48
